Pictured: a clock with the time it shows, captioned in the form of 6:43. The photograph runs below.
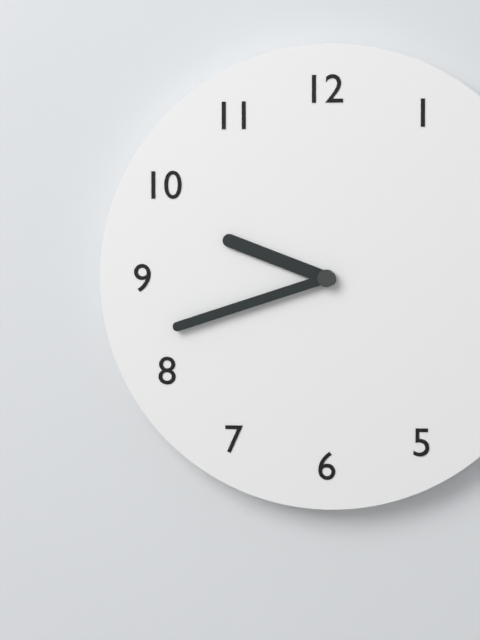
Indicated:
9:42
